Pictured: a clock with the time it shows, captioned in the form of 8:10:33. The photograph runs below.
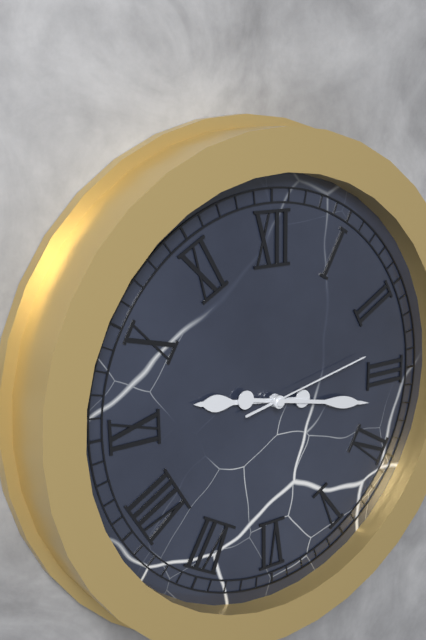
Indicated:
9:17:13
